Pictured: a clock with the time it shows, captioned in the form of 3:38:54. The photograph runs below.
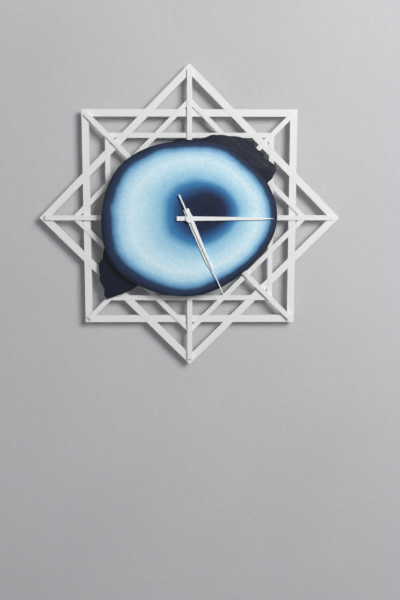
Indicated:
5:15:26
